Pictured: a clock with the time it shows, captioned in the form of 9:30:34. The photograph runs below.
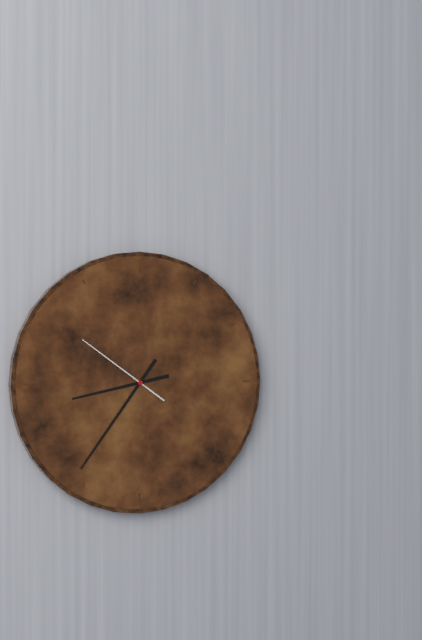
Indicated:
8:36:51
